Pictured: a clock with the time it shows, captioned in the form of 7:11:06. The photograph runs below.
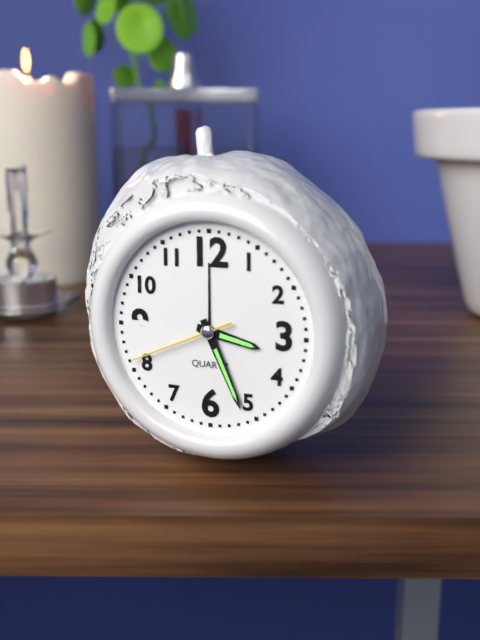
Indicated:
3:26:41
